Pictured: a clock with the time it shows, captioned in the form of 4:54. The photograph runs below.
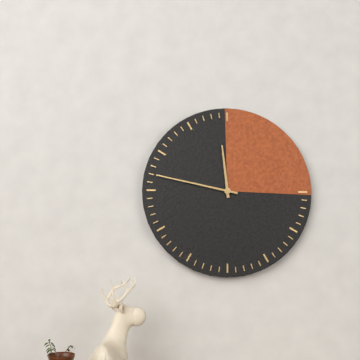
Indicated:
11:47
